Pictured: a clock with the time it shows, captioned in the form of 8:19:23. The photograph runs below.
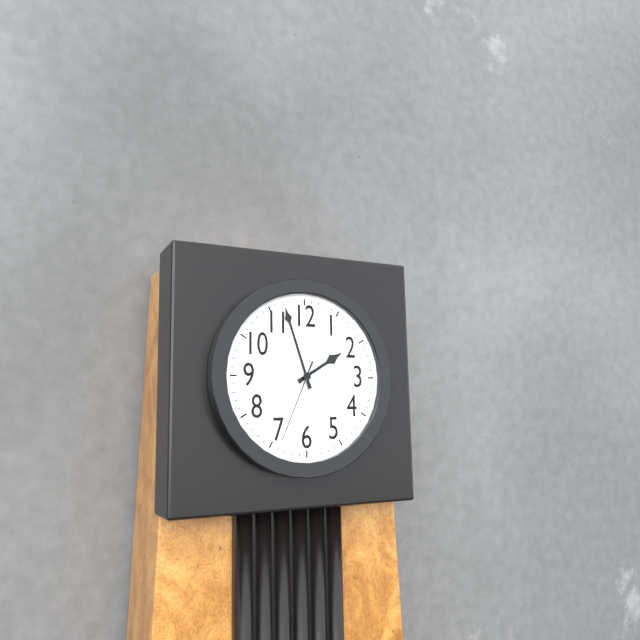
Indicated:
1:57:34
